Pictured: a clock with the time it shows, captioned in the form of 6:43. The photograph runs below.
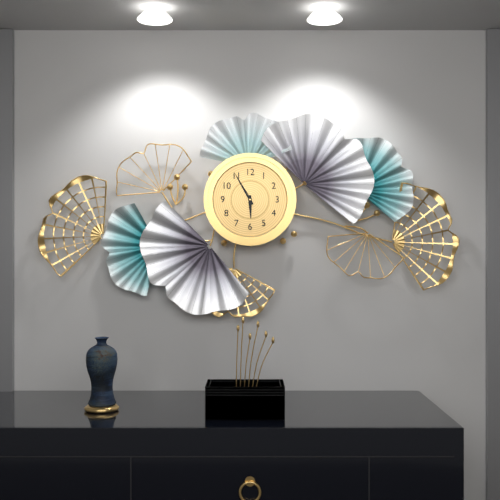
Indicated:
5:55
